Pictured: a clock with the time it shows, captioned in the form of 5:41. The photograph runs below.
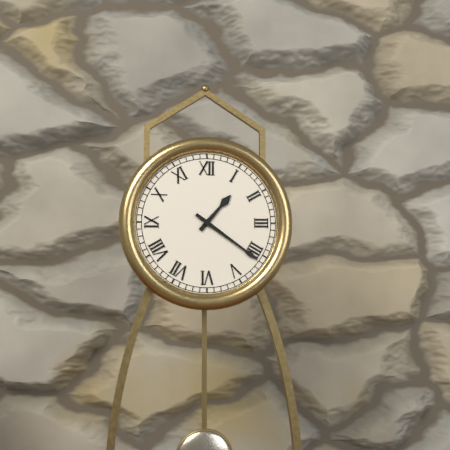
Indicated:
1:21
